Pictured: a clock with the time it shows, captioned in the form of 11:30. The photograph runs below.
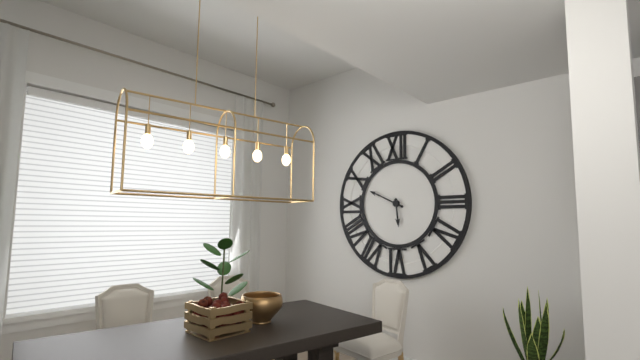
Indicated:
5:49
